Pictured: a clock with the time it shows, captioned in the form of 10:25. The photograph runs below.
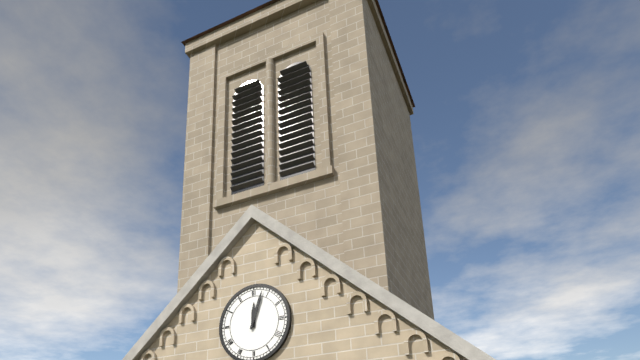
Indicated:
12:03
